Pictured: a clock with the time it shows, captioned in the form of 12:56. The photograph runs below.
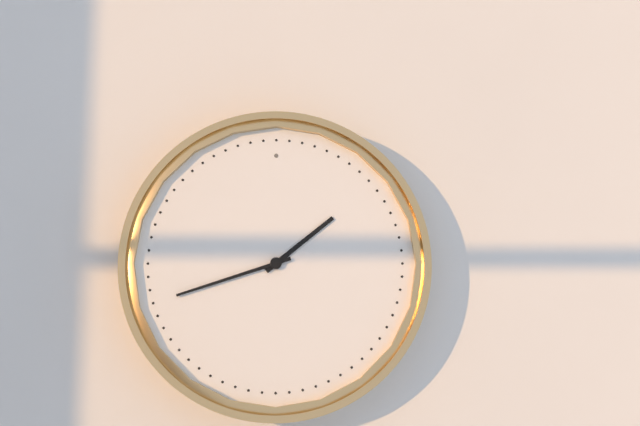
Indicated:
1:42
